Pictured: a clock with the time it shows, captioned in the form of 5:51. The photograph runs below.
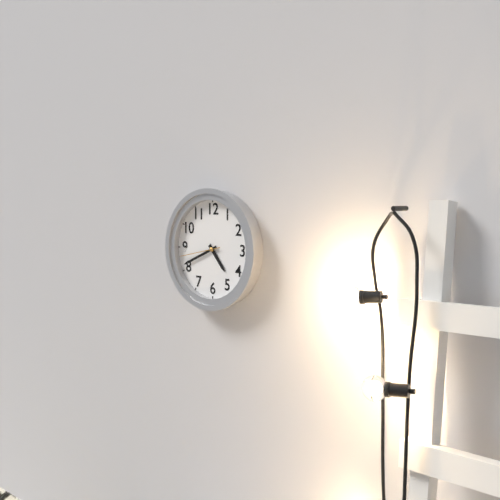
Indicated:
4:41
